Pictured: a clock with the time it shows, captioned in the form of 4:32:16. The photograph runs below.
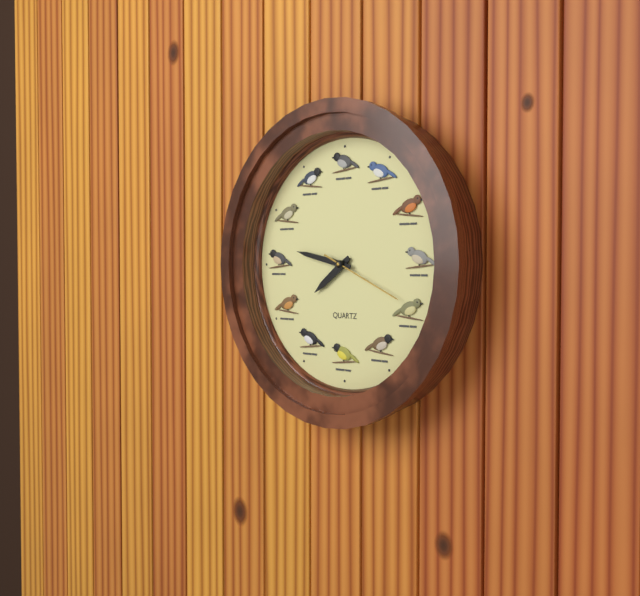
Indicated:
7:47:19
